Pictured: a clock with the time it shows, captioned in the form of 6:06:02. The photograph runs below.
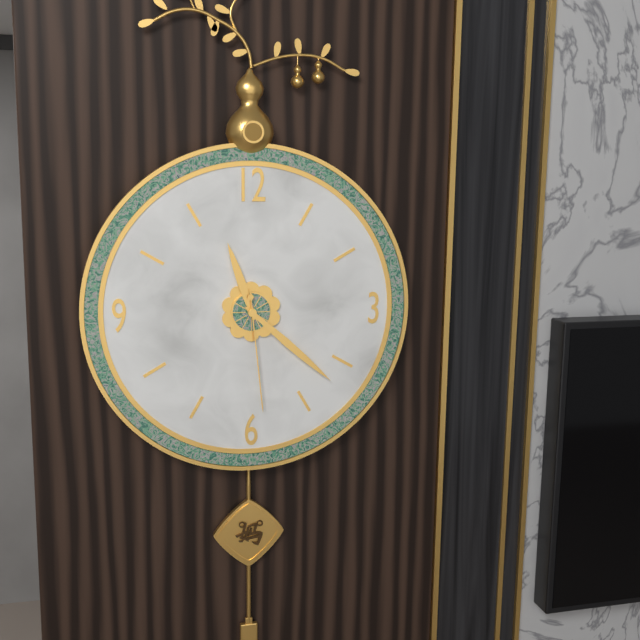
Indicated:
11:22:29
